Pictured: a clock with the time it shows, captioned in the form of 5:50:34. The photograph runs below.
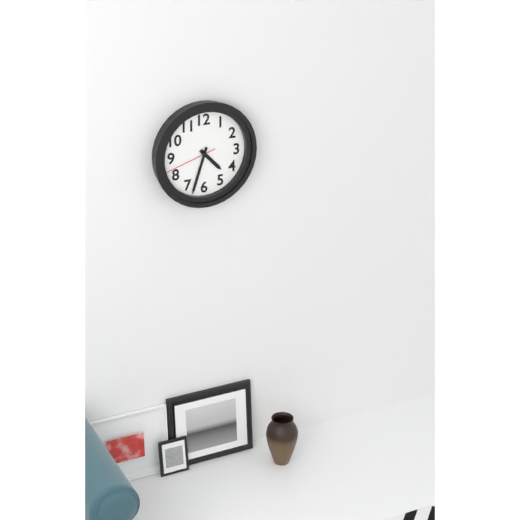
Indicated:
4:33:42
